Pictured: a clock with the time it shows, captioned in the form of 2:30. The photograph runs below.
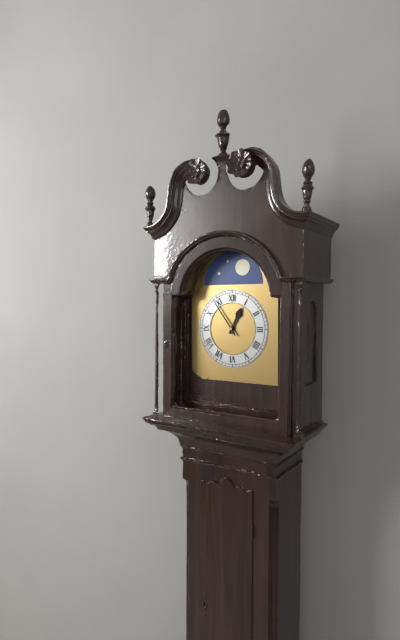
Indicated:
12:54
